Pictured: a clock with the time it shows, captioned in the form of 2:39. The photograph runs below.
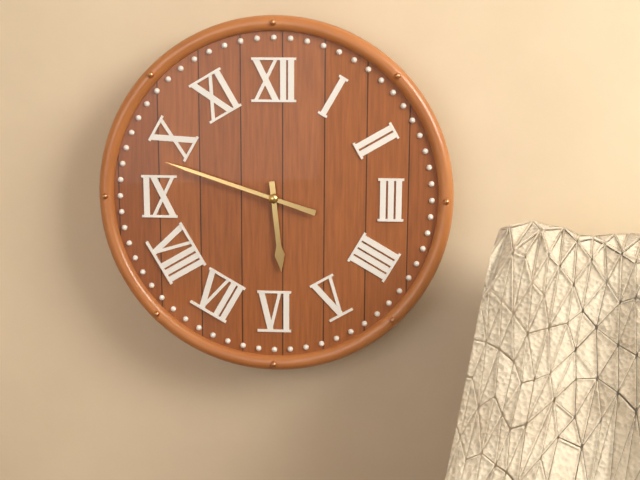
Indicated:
5:48
